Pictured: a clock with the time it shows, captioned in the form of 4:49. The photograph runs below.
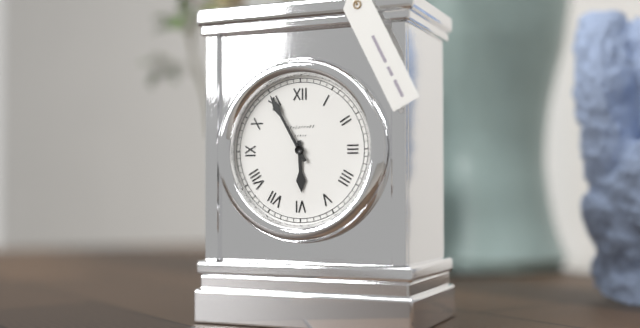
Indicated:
5:55
